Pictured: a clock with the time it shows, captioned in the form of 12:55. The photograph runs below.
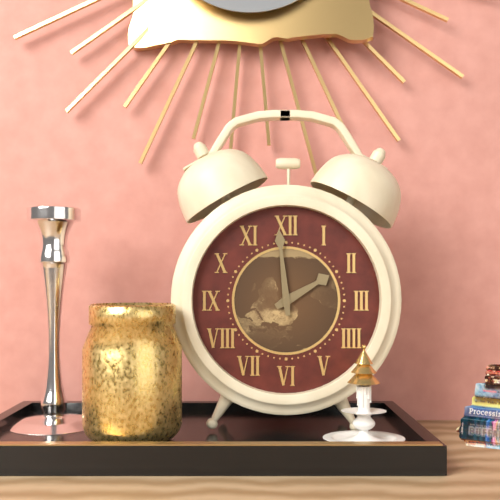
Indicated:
1:59
